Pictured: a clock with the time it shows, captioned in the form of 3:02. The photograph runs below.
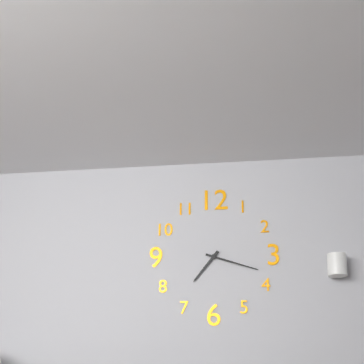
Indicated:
7:18
